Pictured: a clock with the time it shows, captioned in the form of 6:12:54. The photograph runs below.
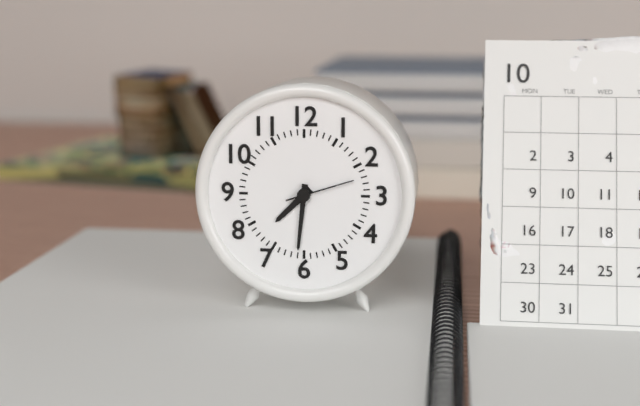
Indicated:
7:31:12
